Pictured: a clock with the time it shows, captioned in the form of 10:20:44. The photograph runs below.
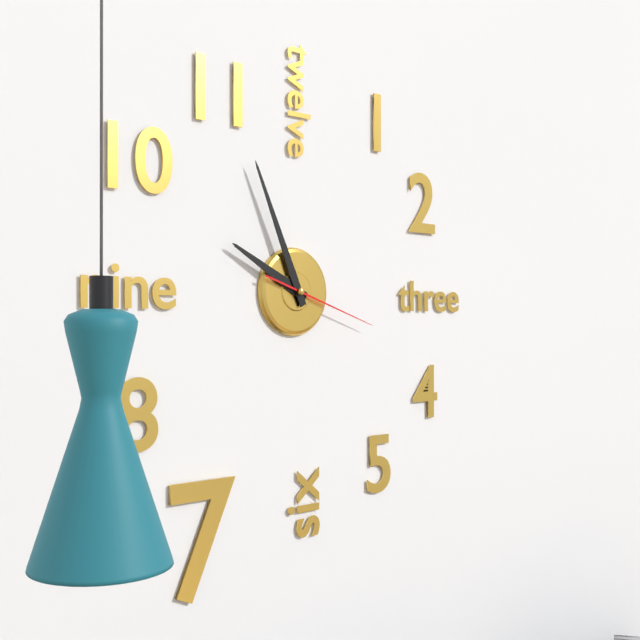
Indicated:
9:56:18
